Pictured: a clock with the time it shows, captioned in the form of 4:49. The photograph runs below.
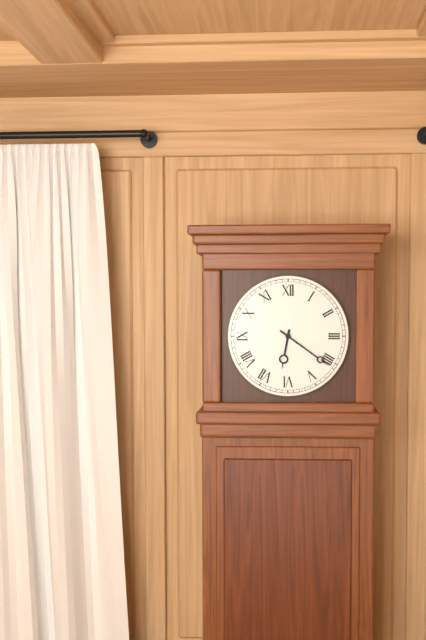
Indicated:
6:21
